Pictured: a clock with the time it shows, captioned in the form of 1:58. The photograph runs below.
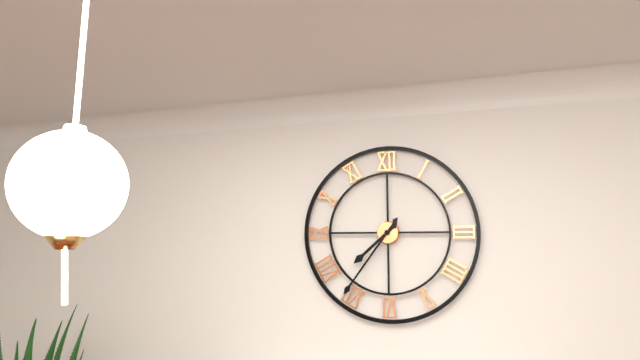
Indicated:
7:36
